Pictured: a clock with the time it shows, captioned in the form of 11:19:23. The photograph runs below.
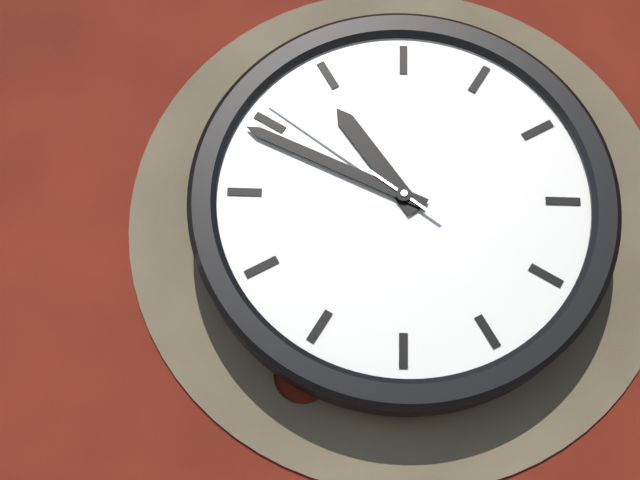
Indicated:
10:49:51
